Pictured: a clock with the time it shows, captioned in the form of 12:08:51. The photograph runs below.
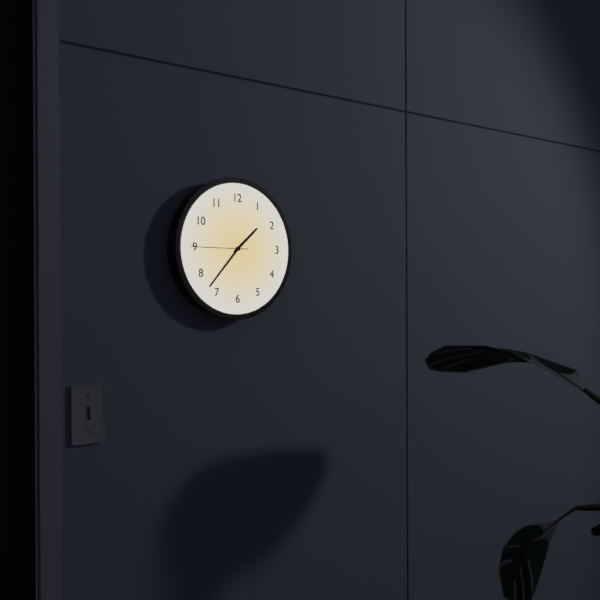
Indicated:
1:37:45
